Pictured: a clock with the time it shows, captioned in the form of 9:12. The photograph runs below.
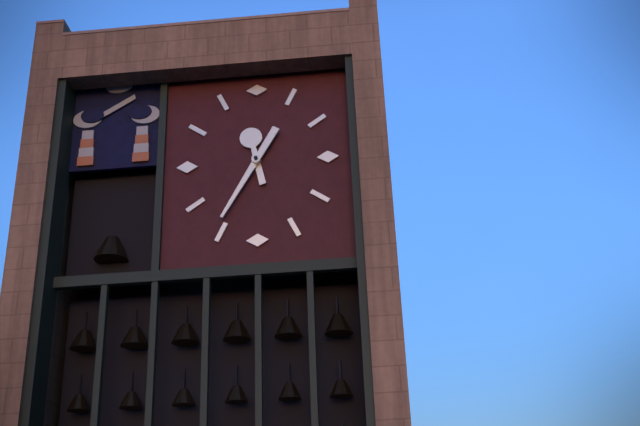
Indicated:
11:35
